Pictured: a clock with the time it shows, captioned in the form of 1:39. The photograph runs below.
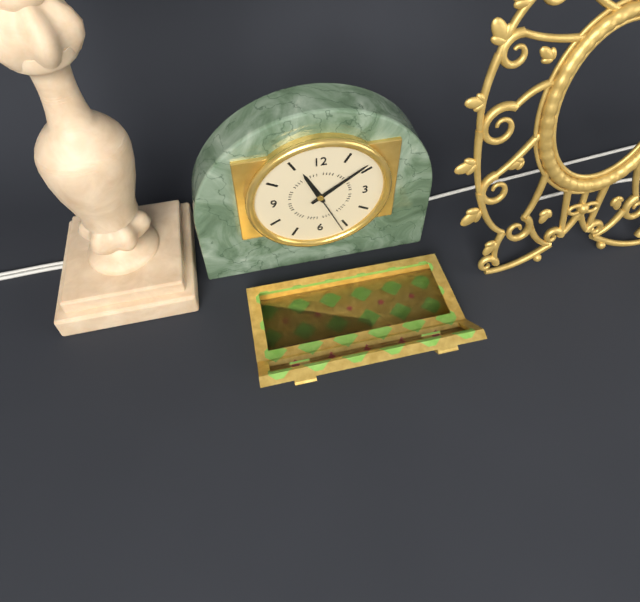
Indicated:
11:09
